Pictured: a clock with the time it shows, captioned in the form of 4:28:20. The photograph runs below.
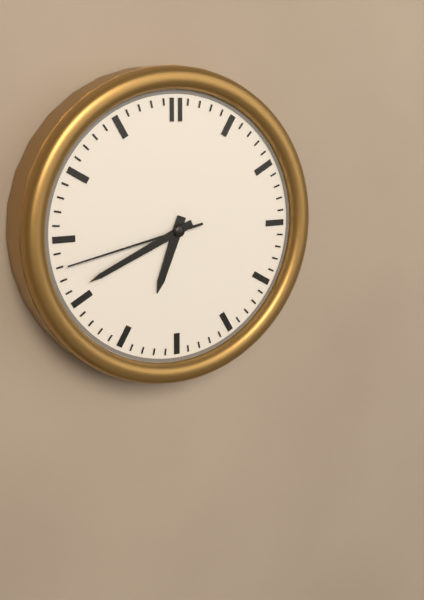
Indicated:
6:41:43
